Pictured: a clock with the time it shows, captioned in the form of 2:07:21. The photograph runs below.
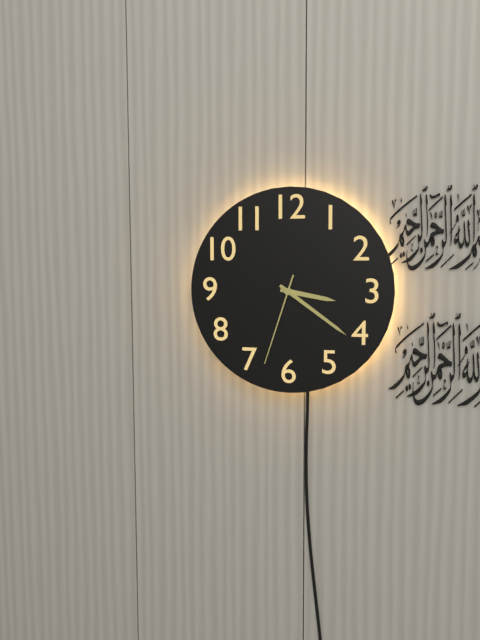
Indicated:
3:21:33
